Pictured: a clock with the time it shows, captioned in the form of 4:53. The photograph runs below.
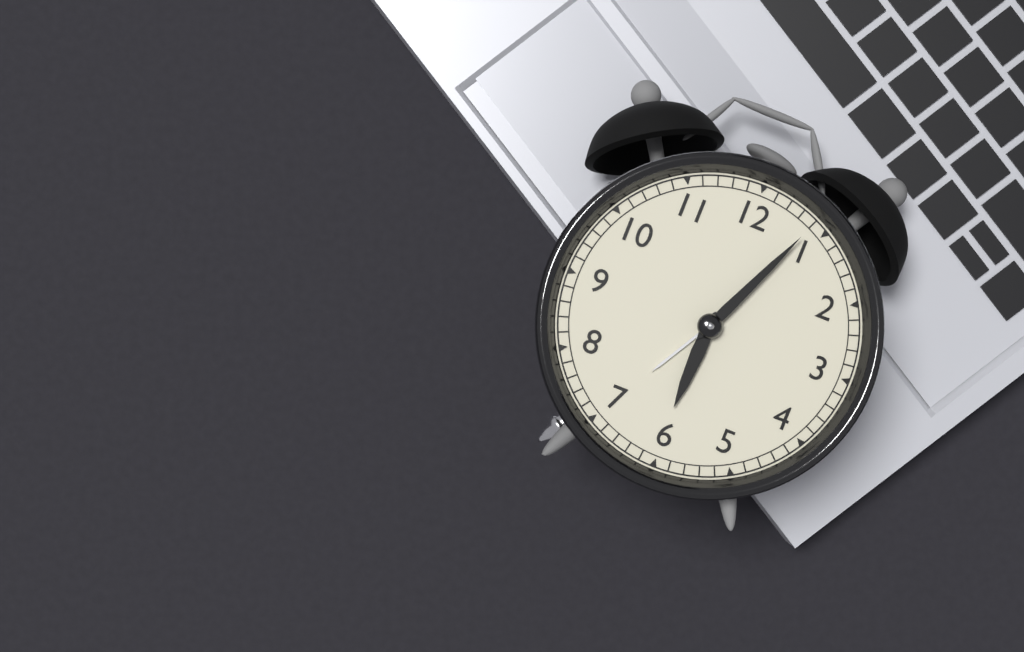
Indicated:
6:04
